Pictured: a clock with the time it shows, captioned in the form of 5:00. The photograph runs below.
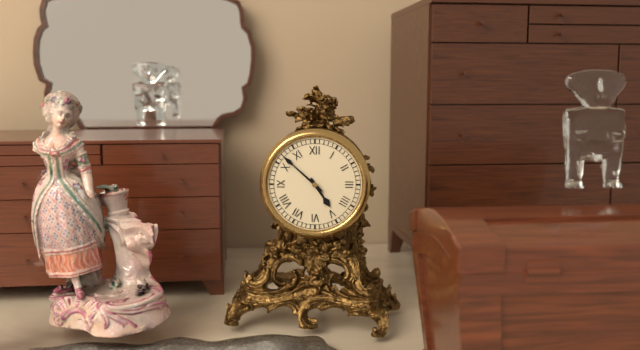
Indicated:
4:52
